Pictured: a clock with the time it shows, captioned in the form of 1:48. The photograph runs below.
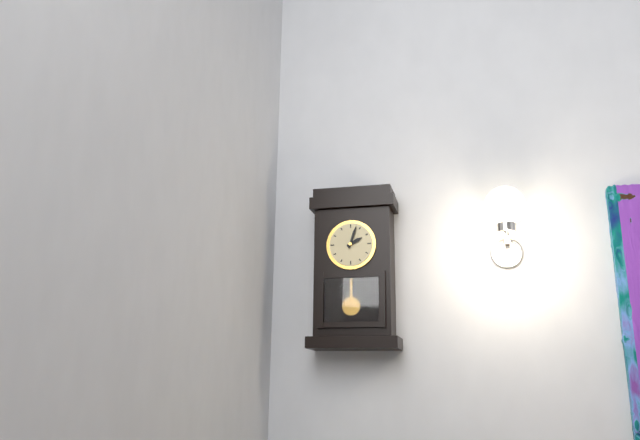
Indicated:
2:03
